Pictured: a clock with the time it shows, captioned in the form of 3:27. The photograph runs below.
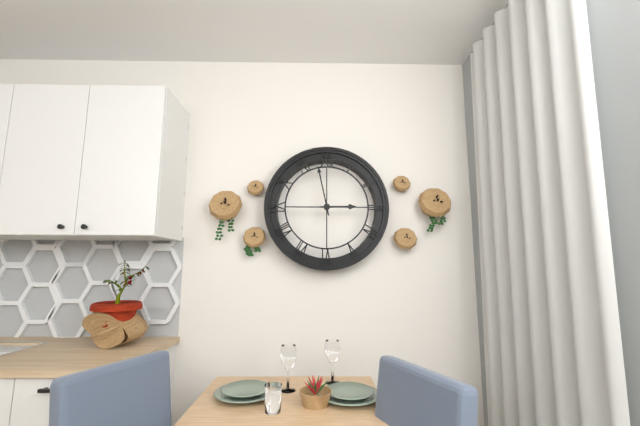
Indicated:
2:58
